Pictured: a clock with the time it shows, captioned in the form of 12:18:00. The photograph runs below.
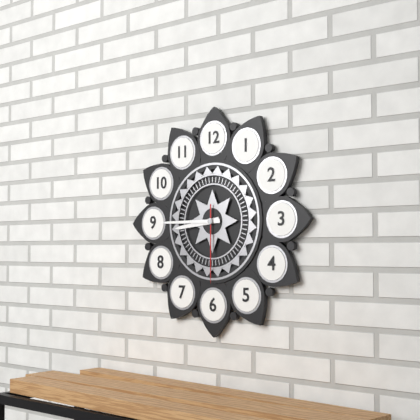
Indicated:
8:45:30
